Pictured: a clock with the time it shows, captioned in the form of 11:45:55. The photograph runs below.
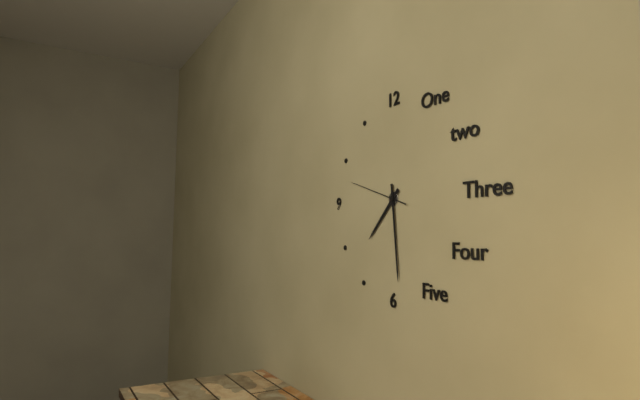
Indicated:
7:29:48
